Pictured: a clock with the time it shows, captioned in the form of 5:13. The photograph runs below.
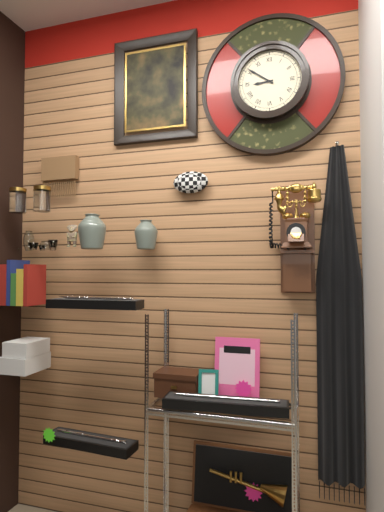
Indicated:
8:51
